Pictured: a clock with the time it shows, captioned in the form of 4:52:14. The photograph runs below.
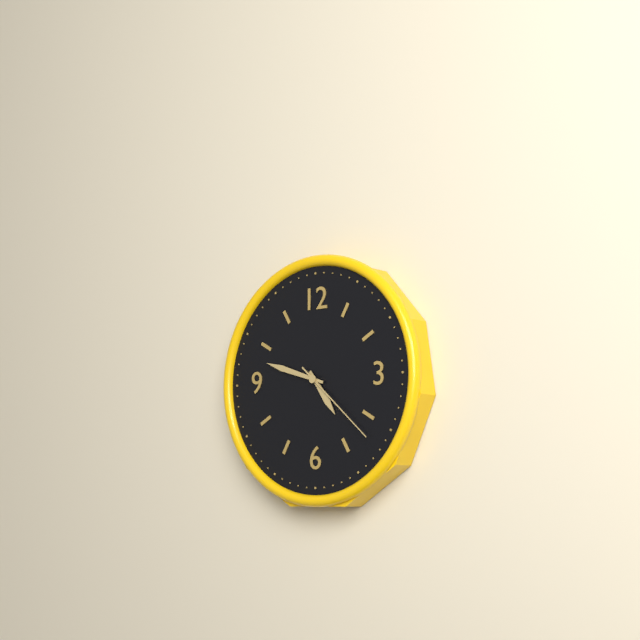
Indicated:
4:48:22
